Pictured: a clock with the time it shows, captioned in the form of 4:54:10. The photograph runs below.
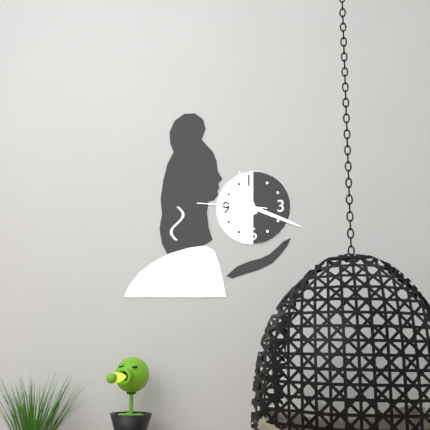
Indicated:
11:19:46
